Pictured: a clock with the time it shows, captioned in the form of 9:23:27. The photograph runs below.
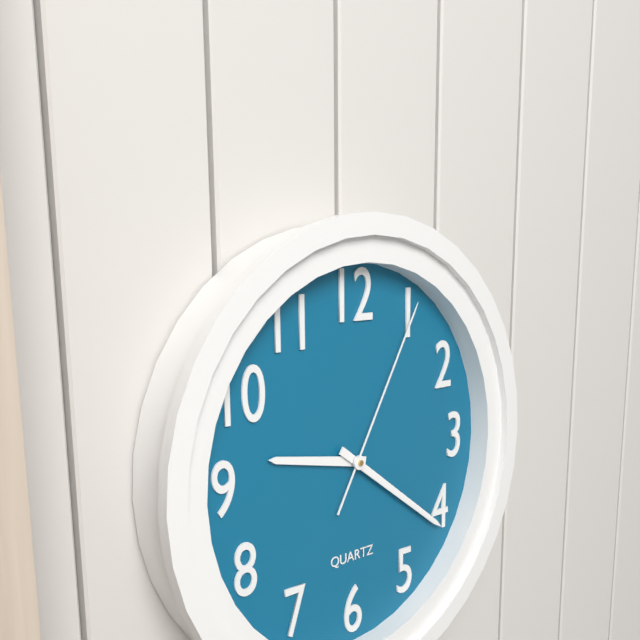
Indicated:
9:21:05
